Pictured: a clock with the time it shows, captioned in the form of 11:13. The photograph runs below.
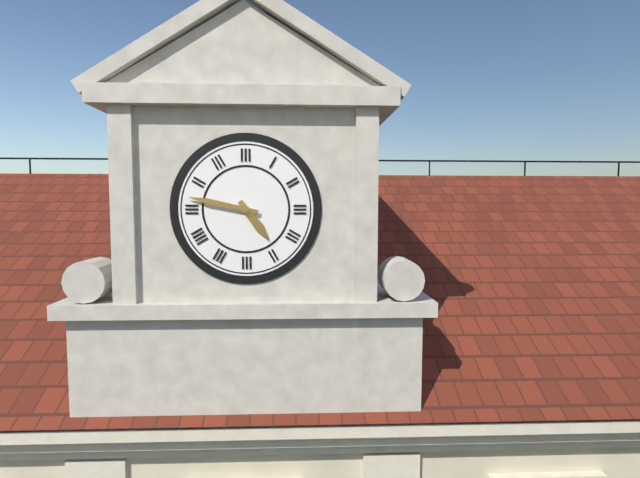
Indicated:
4:47
